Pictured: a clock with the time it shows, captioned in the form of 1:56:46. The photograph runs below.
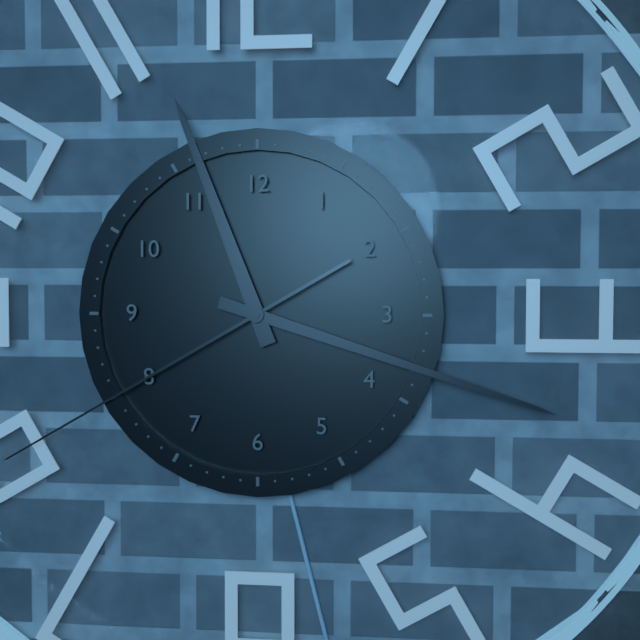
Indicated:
11:18:40
